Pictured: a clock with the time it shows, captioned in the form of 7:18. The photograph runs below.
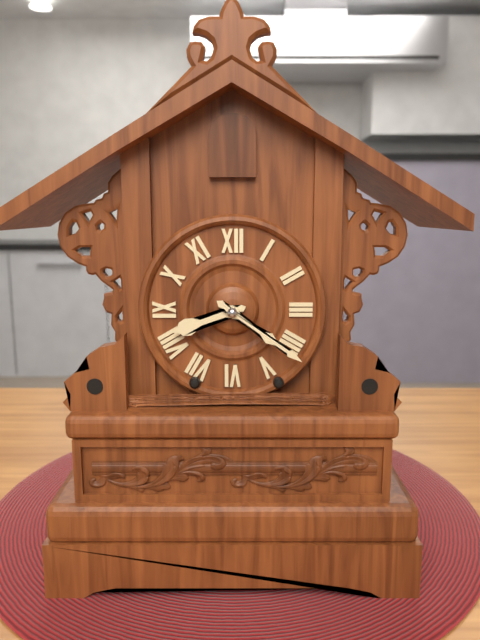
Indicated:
8:21
